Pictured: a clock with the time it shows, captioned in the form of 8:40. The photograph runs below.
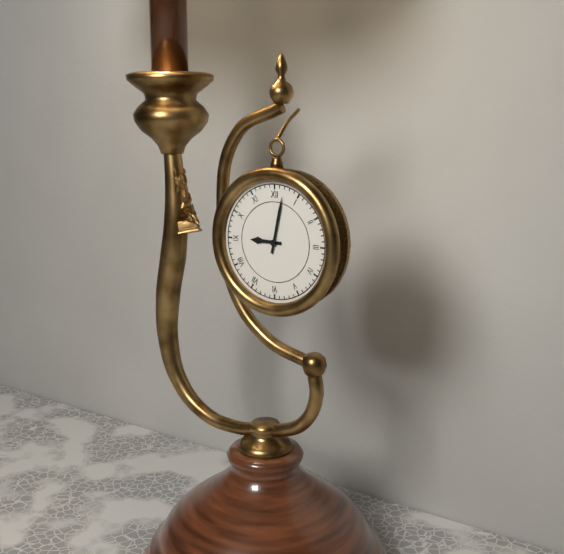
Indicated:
9:02
